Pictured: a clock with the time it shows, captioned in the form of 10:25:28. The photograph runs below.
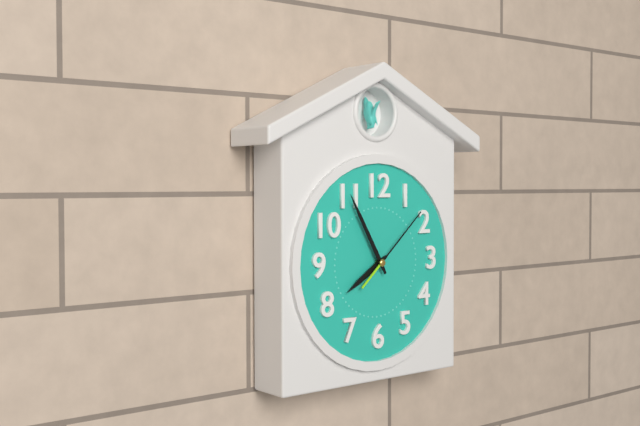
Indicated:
7:55:08
